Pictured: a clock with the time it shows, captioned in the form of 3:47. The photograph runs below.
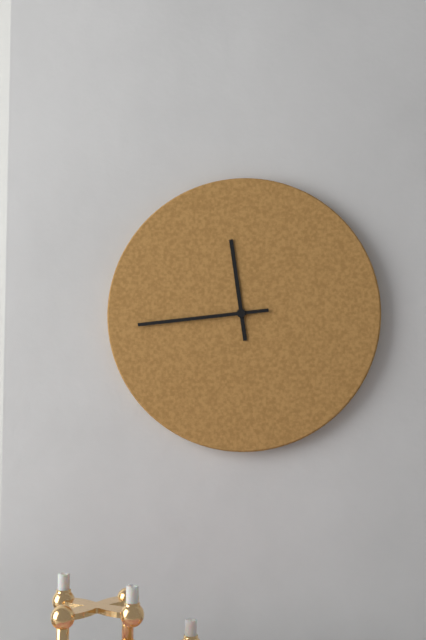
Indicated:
11:44
